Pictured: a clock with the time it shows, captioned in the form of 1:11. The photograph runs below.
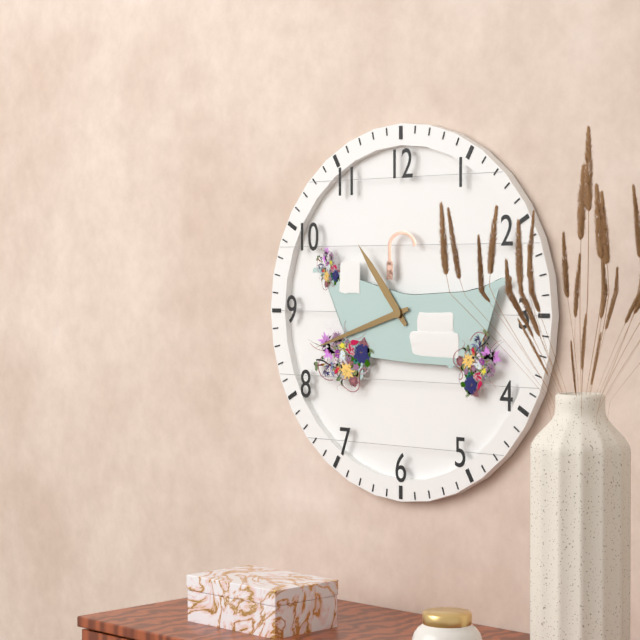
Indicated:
10:42
